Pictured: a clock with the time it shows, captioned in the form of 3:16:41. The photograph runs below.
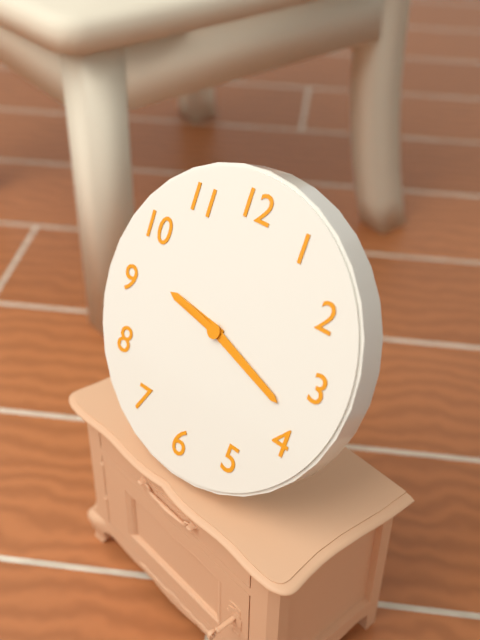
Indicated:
9:18:47
